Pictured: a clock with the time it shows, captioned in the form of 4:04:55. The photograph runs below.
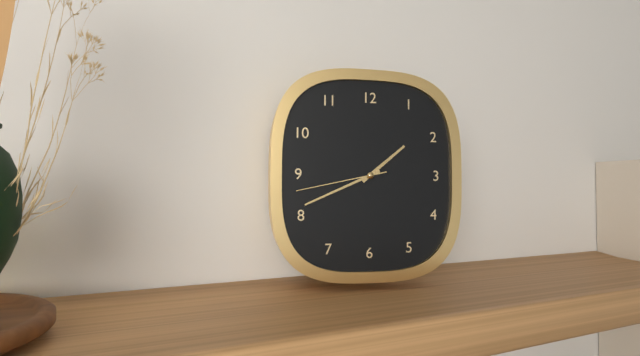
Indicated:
1:41:43
